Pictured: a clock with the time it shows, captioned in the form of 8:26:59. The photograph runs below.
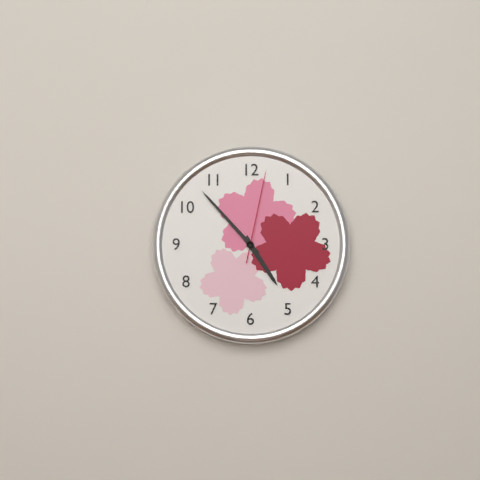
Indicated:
4:53:02
